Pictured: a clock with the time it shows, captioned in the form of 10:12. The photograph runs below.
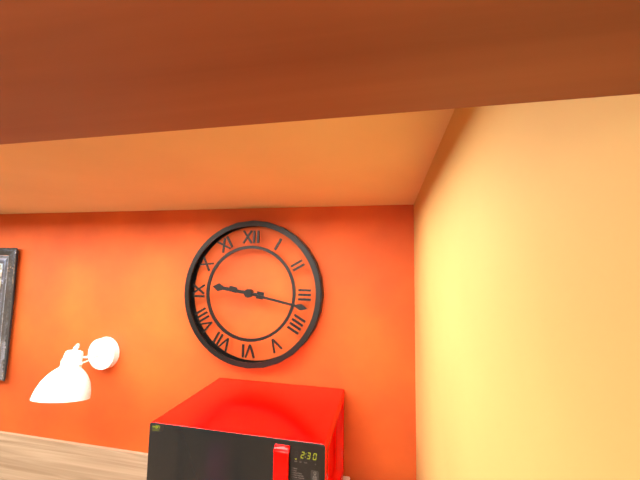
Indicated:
9:17
